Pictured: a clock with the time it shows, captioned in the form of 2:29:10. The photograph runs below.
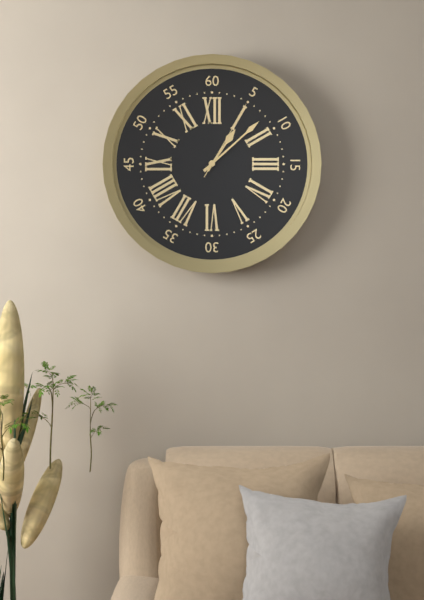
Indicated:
1:08:05
